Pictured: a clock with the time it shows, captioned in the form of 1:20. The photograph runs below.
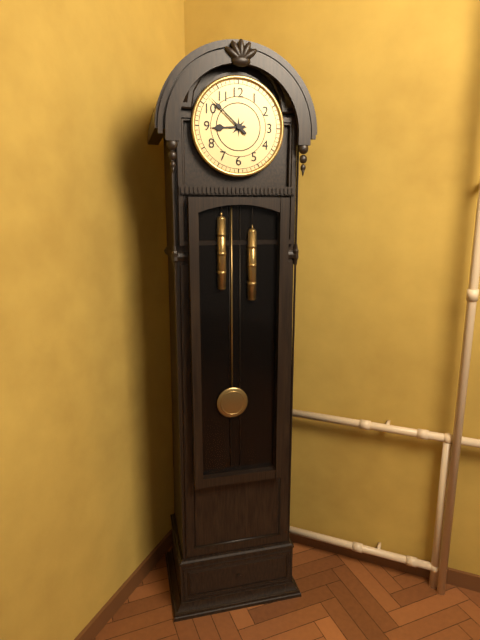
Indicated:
8:52
